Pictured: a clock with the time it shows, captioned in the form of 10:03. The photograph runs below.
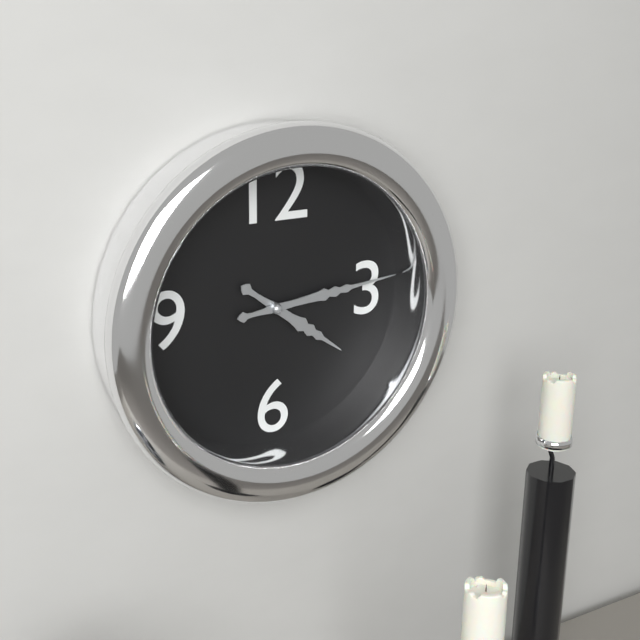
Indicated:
4:14
